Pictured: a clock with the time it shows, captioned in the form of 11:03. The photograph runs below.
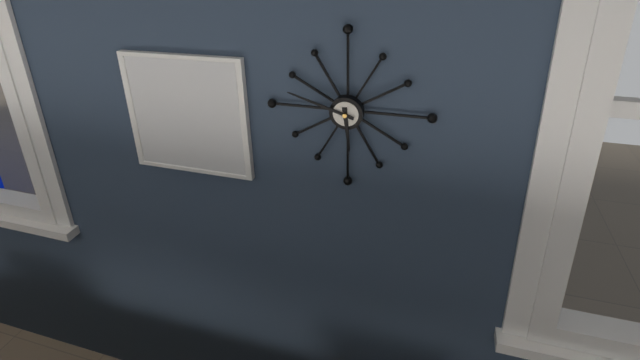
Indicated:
5:48
